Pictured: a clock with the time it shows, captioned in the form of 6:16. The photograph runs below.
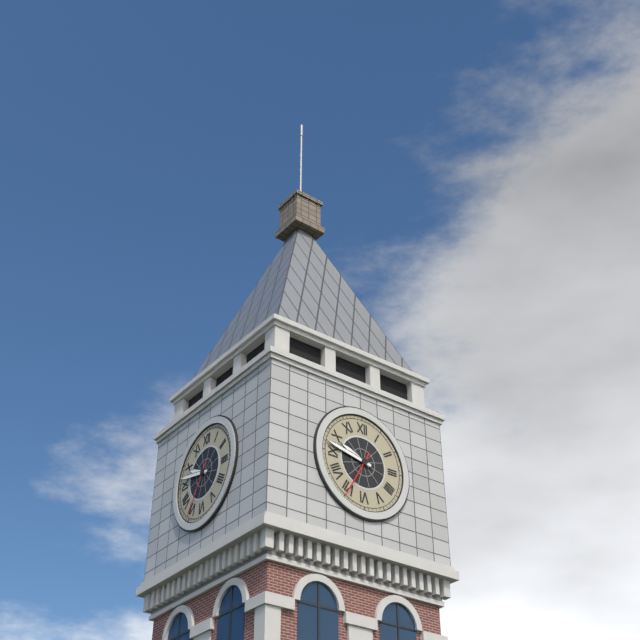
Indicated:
9:47
